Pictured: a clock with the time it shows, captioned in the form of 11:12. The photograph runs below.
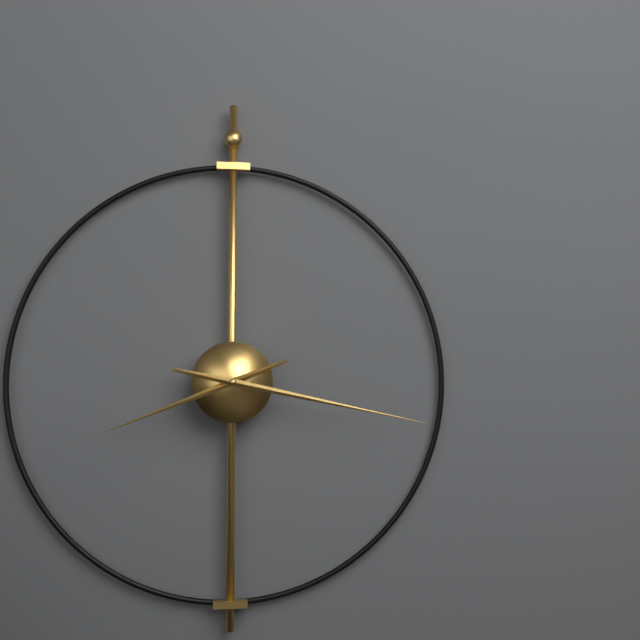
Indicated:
8:17
